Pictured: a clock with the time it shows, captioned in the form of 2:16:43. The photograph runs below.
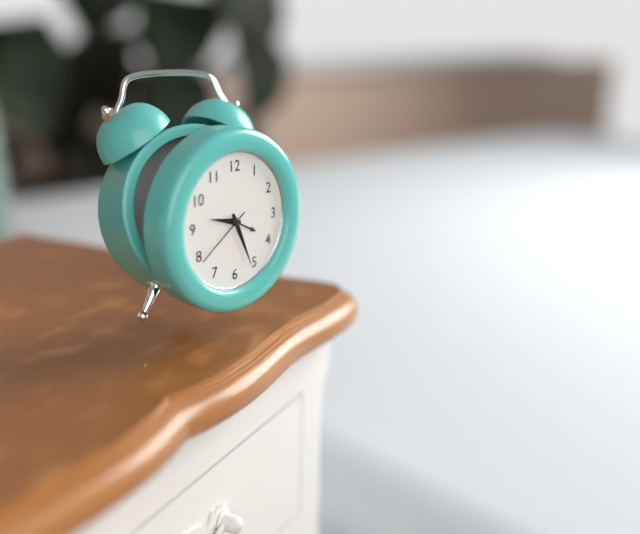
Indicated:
9:26:39
